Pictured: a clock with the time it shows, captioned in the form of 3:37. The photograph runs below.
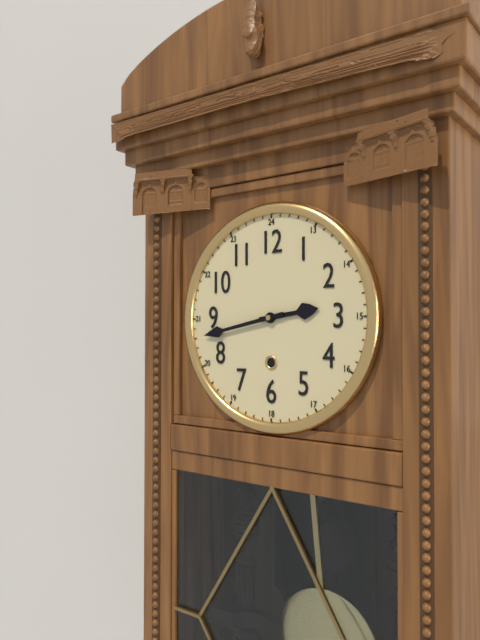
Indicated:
2:43
